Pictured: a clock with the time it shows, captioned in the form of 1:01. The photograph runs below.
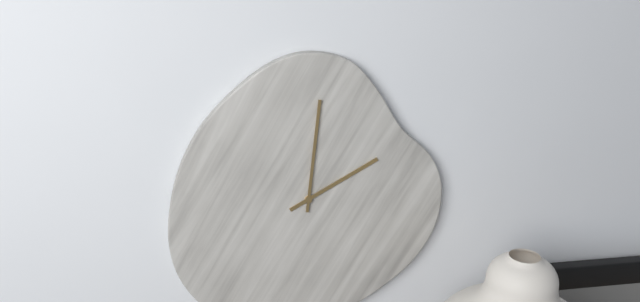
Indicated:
2:01
